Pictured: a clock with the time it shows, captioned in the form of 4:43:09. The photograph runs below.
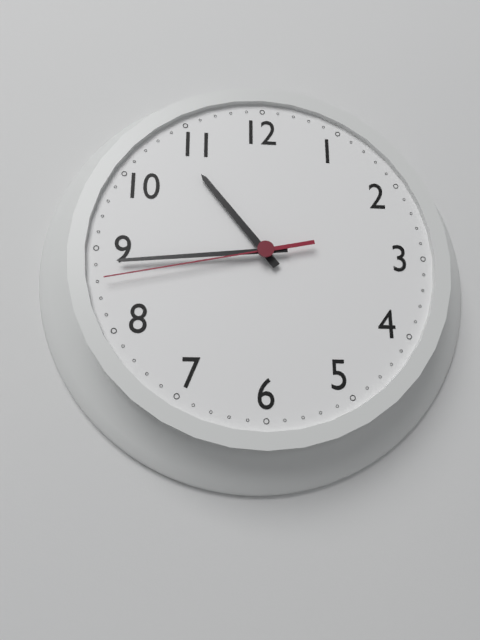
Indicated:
10:44:43
